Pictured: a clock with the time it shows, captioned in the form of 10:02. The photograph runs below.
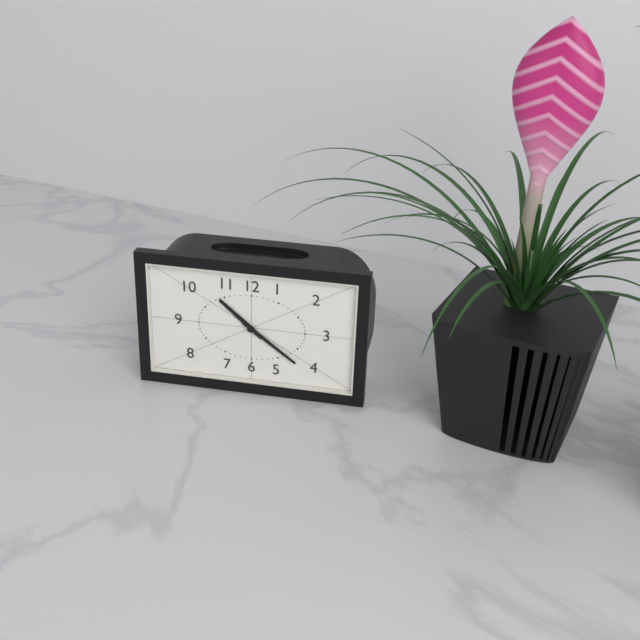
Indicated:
10:21
